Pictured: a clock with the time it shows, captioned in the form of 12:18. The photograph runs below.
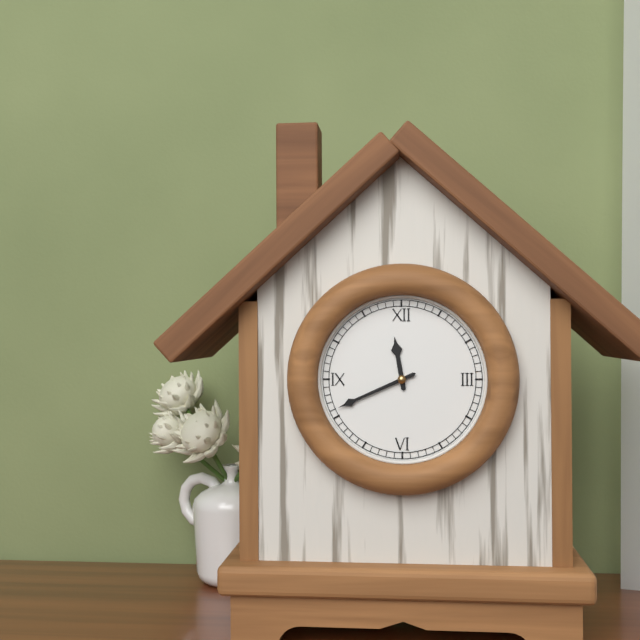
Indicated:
11:41
